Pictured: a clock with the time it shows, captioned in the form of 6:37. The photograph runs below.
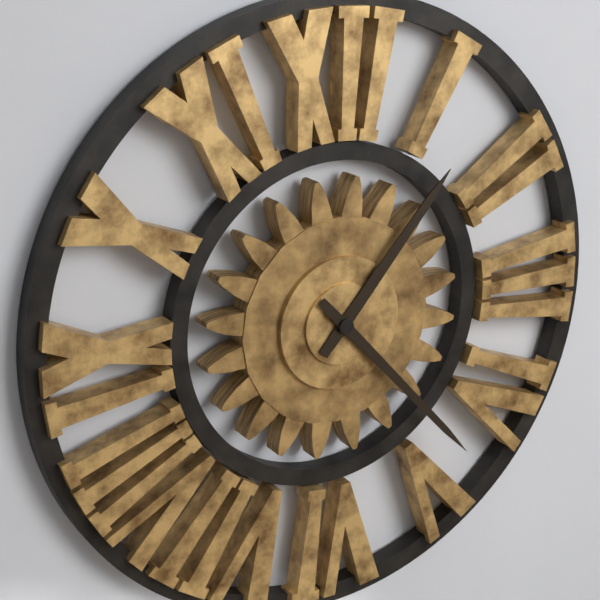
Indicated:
1:23
